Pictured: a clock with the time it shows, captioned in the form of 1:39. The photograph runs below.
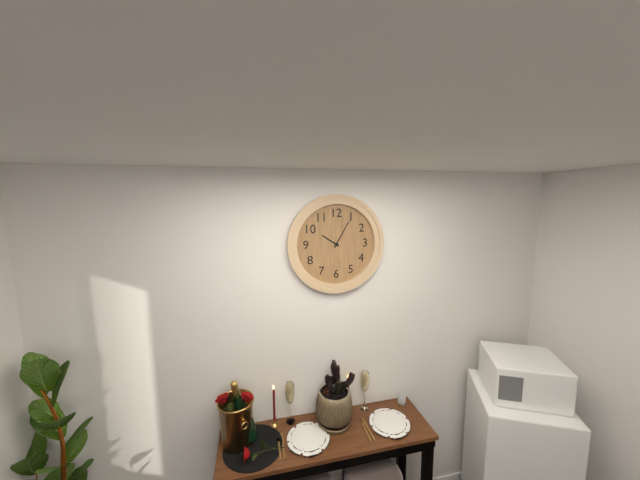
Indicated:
10:05
